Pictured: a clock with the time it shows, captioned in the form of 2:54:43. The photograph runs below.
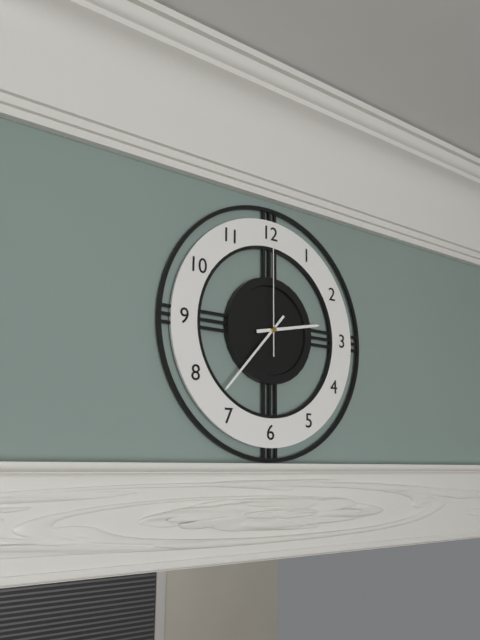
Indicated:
2:37:00
